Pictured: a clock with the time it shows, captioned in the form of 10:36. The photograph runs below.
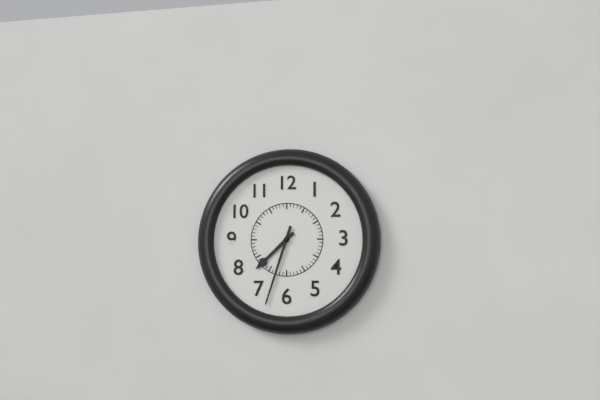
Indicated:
7:33
